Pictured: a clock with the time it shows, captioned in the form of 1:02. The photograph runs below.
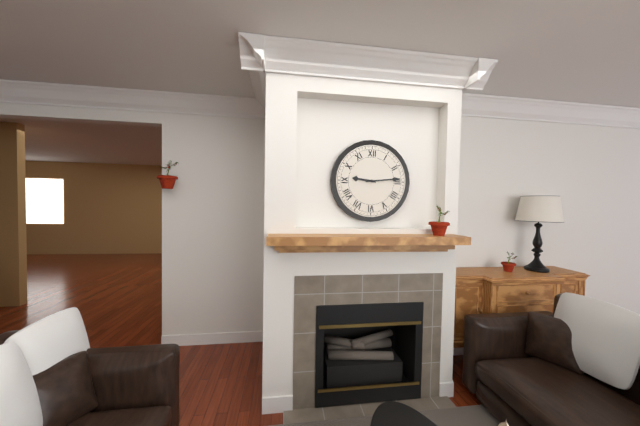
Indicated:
9:14
